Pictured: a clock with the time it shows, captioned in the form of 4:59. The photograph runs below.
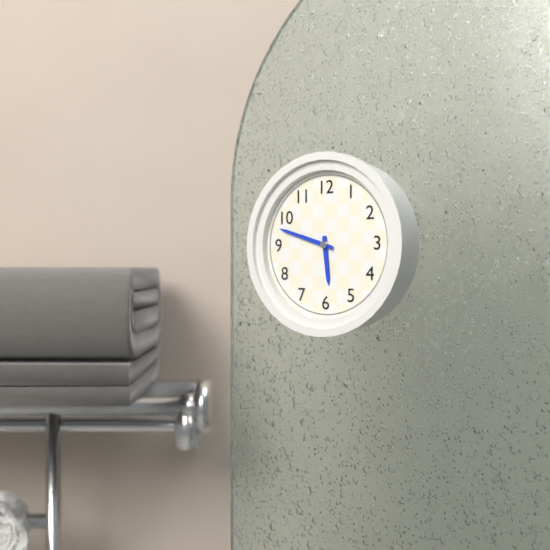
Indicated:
5:48
